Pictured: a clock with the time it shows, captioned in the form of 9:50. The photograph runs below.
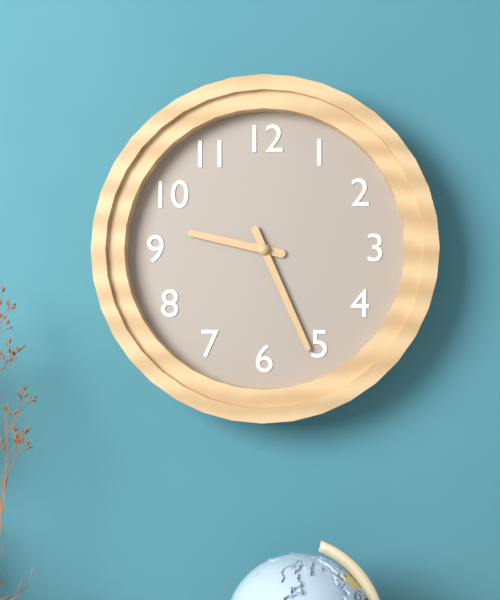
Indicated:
9:26
